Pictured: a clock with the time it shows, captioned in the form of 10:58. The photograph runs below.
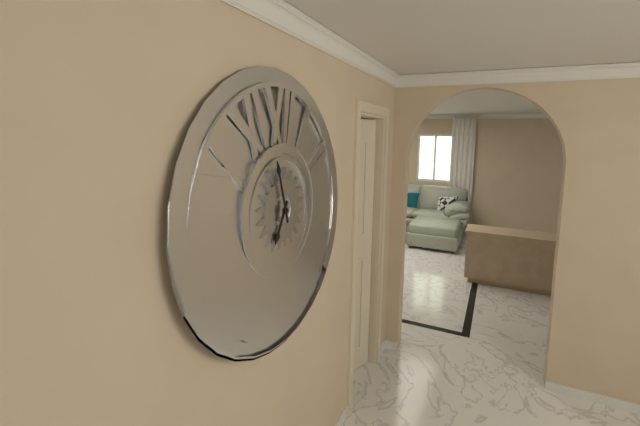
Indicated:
6:57
